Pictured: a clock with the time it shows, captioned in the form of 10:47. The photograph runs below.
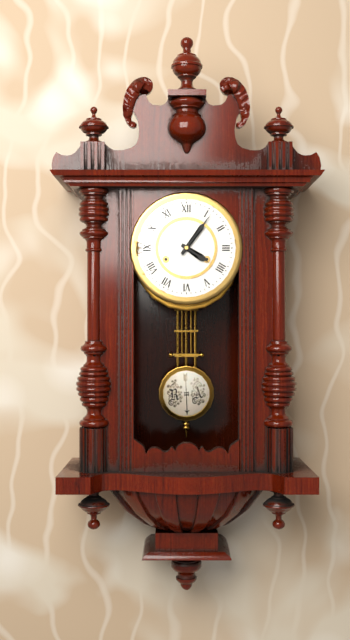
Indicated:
4:06
